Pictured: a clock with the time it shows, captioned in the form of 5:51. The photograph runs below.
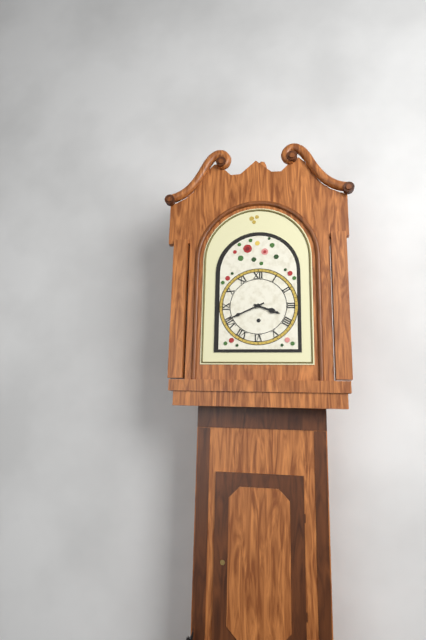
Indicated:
3:41
